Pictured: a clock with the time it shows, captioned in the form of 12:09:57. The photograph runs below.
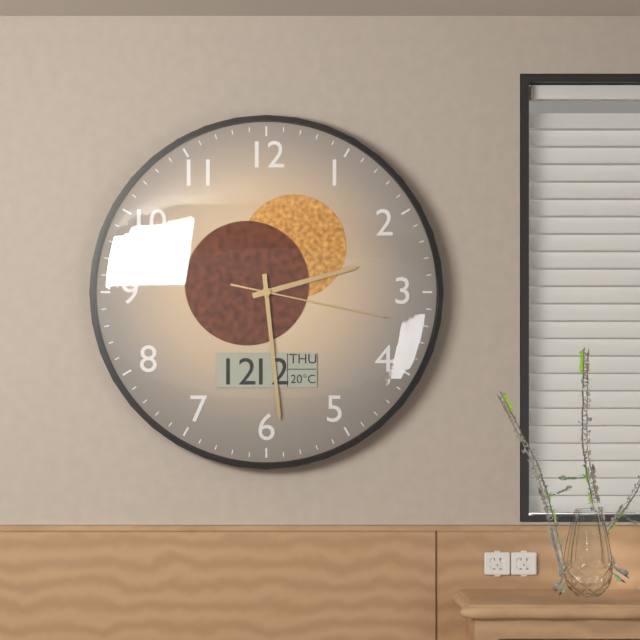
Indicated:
2:29:17
